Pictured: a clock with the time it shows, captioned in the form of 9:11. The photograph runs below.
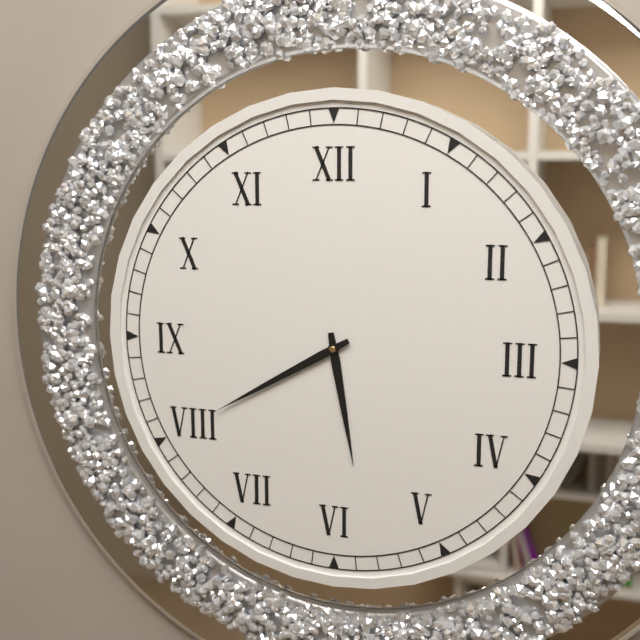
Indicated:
5:40
